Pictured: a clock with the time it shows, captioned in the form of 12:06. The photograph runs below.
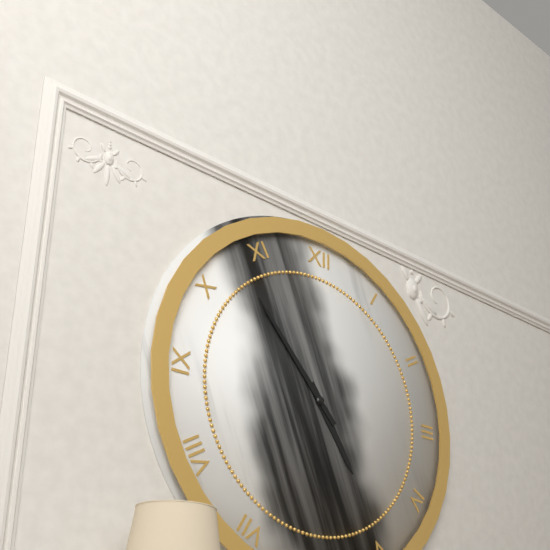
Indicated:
4:53
